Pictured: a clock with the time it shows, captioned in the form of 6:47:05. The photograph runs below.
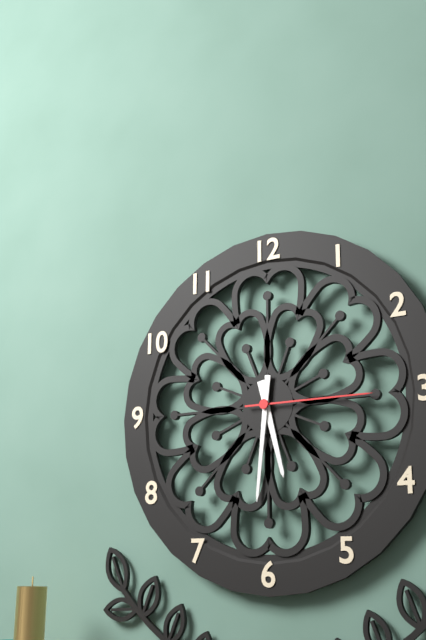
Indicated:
5:31:15
